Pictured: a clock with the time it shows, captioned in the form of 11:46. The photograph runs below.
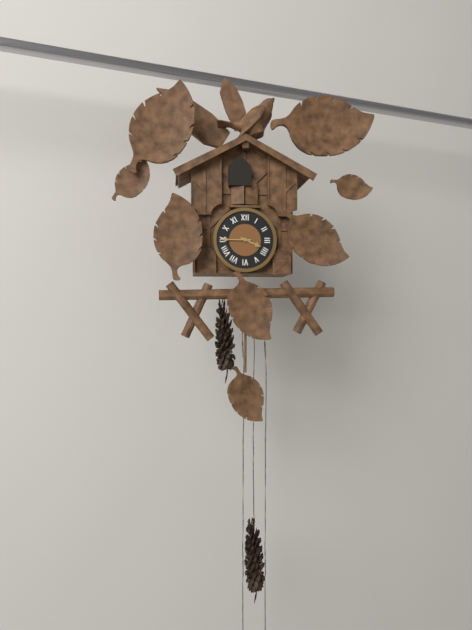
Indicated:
3:45
